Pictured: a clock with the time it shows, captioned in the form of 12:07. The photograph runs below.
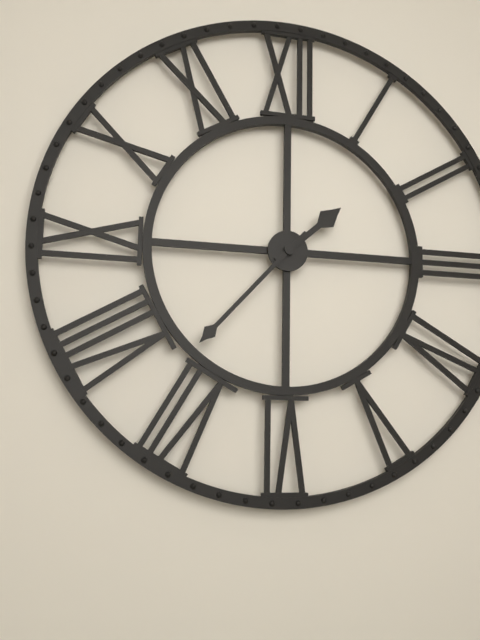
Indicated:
1:37
